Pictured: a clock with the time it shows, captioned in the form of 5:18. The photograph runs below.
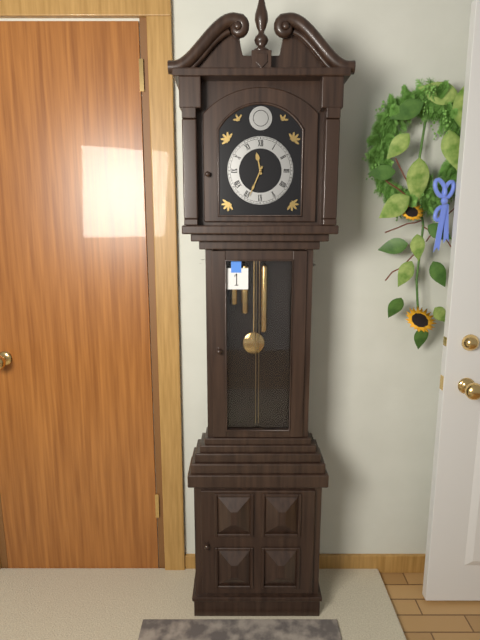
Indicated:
11:34
